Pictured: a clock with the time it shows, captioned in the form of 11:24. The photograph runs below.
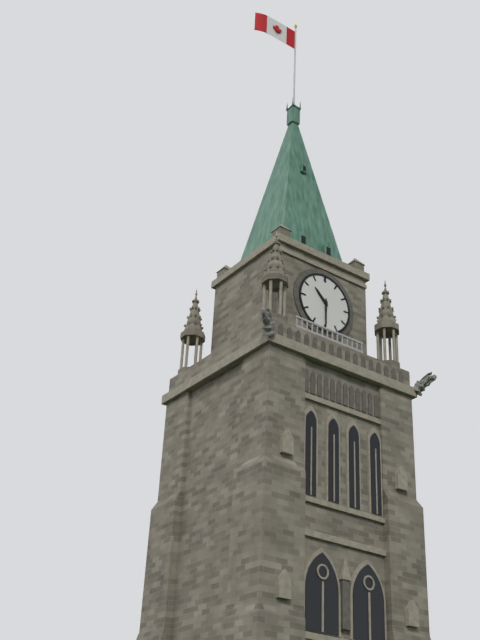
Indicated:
10:30
